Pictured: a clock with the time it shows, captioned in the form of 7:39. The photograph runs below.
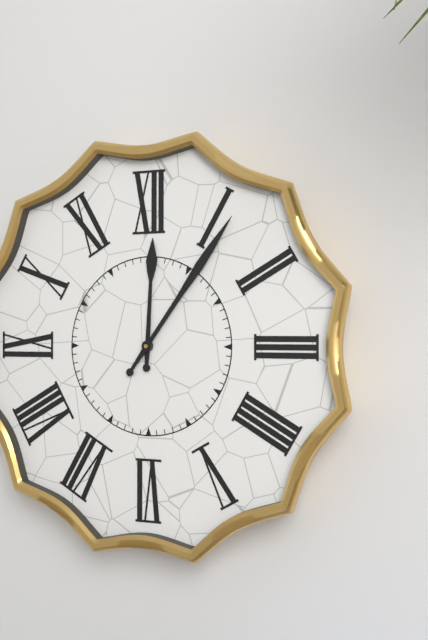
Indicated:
12:06
